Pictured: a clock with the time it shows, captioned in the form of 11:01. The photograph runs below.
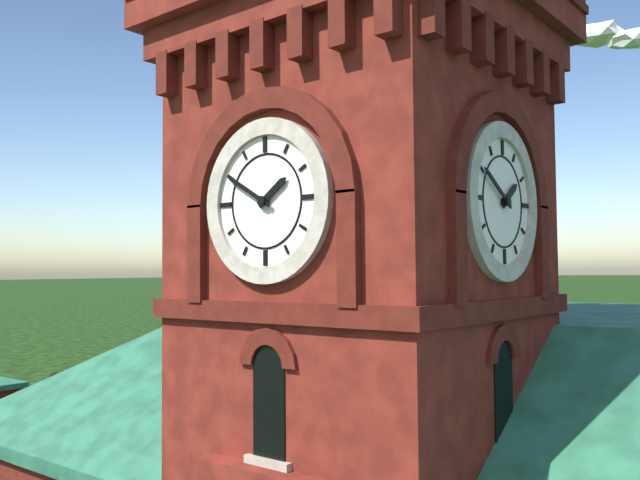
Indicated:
1:50
